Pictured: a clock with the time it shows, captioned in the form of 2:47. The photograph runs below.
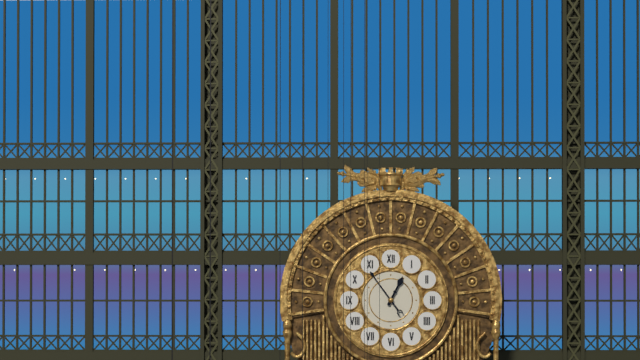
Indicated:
12:54
